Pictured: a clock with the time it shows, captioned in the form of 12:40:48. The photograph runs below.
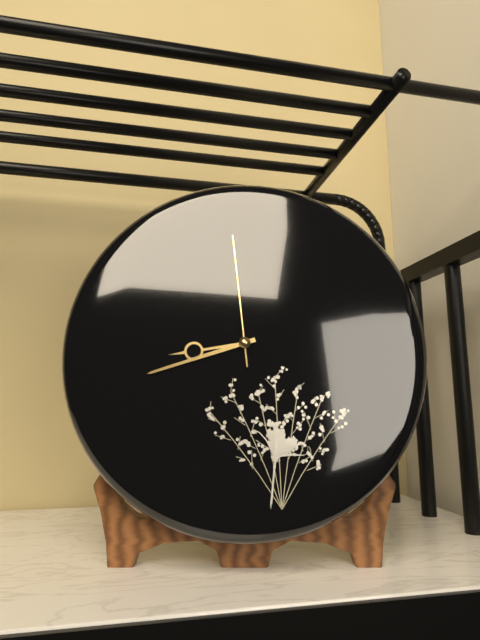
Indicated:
8:42:59
